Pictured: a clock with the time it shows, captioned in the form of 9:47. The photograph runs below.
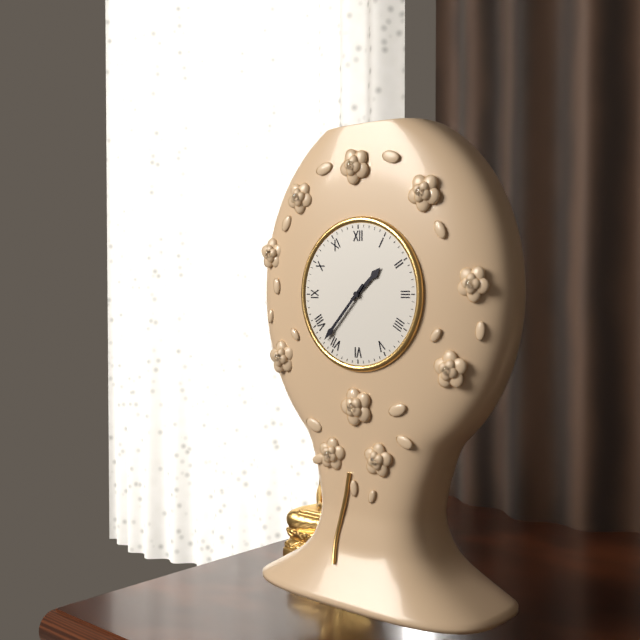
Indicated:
1:37
